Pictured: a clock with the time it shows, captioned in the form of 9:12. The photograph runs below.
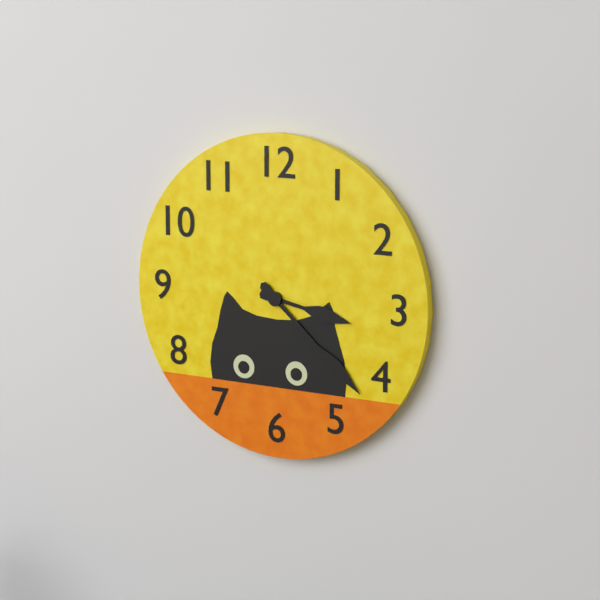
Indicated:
3:22
